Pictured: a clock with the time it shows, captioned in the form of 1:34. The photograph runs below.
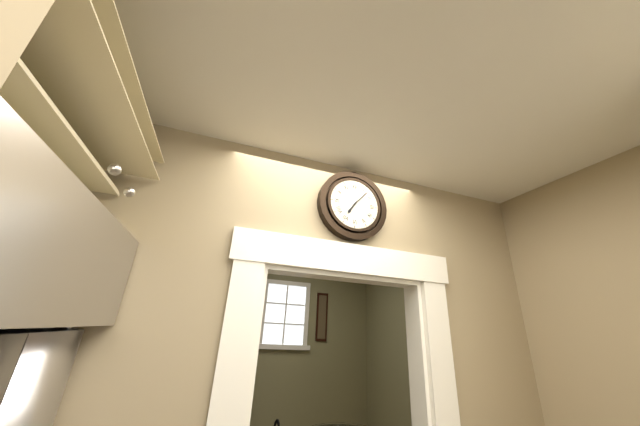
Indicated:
7:07
